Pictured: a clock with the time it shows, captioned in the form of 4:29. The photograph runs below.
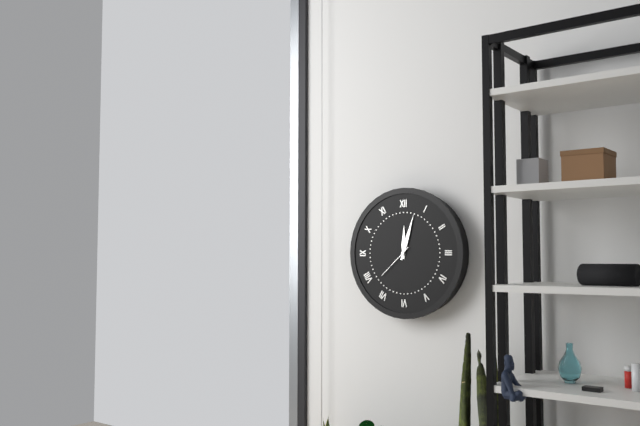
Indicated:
12:03
